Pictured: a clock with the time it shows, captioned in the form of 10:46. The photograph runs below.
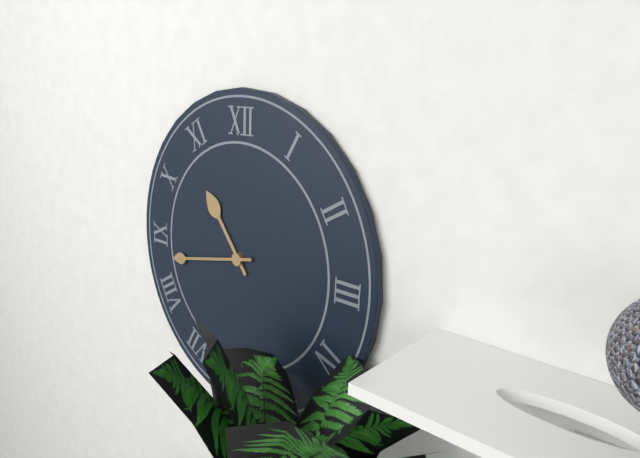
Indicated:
10:43
